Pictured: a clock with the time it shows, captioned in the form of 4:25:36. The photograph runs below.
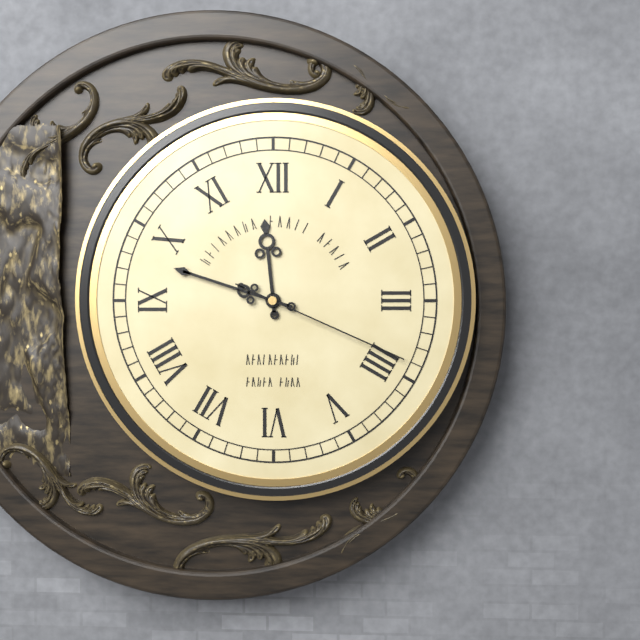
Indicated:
11:48:19
